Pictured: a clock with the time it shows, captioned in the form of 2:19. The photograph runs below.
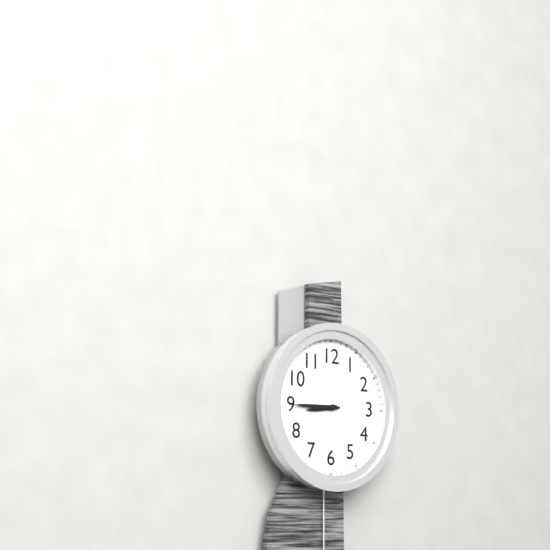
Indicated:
8:45
